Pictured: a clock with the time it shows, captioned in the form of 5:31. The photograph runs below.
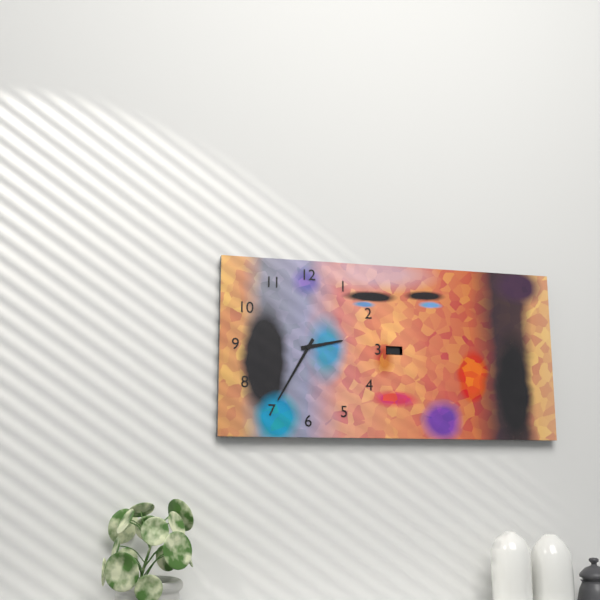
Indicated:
2:35
